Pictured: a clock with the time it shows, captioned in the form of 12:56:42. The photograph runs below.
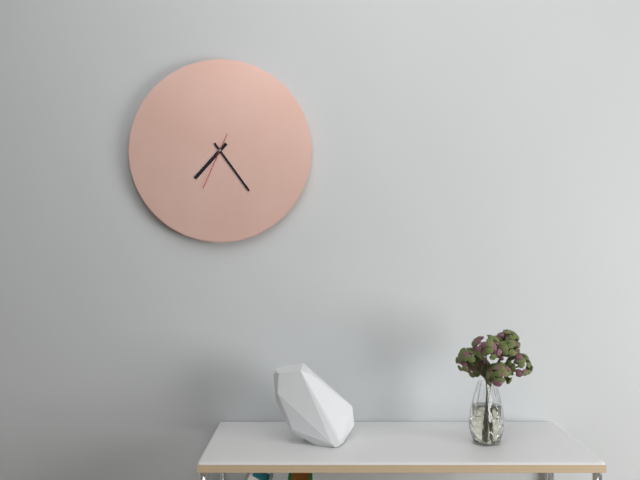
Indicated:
7:24:34
